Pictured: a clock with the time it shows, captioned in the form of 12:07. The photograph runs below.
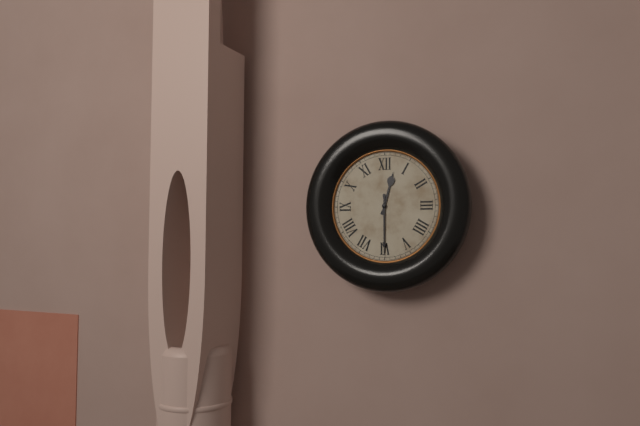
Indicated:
12:30
